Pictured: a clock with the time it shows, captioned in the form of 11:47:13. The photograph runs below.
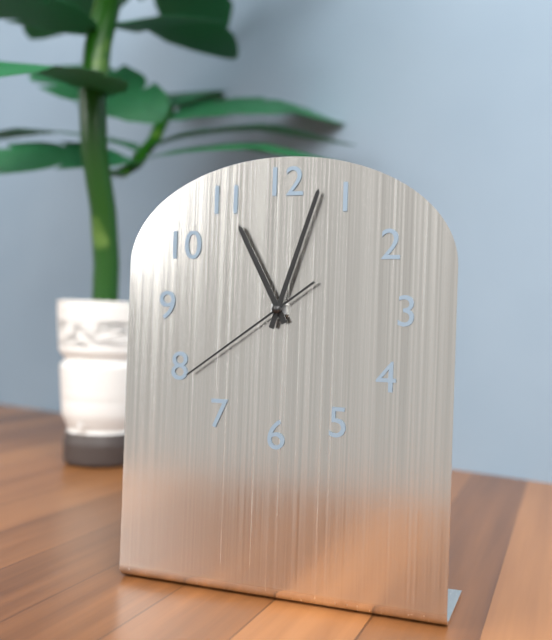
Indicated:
11:03:39
